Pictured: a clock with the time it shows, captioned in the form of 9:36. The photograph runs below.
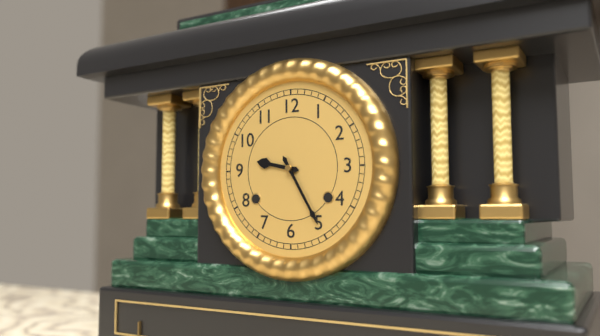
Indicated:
9:25
